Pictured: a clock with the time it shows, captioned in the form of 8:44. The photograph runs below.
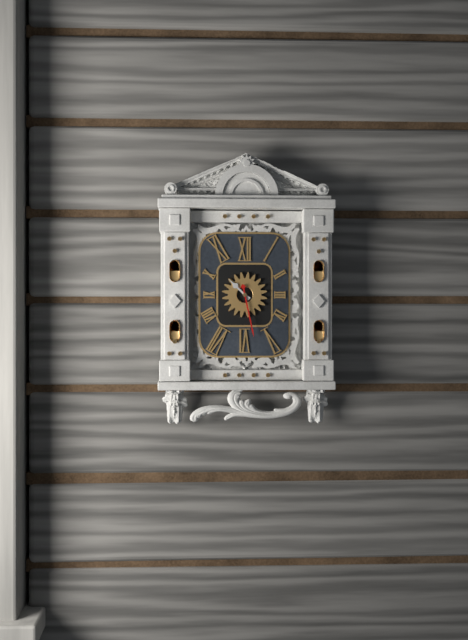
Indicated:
10:28
